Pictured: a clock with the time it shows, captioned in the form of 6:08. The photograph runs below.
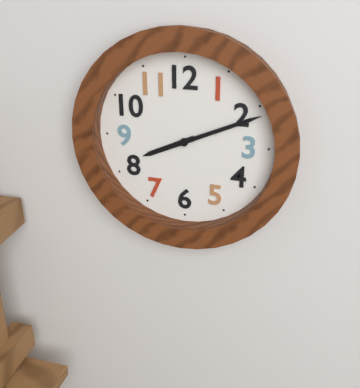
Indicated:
8:11
